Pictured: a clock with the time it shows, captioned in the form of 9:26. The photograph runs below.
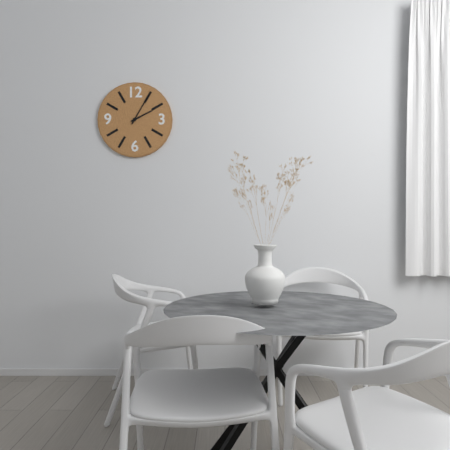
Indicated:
2:05
